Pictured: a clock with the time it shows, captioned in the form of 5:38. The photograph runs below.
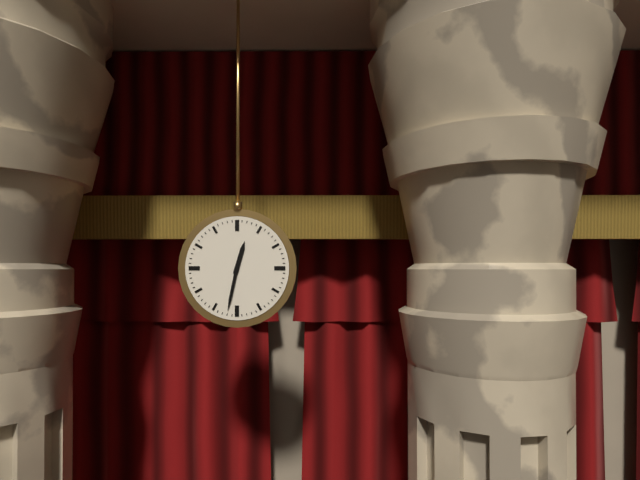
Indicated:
12:32
